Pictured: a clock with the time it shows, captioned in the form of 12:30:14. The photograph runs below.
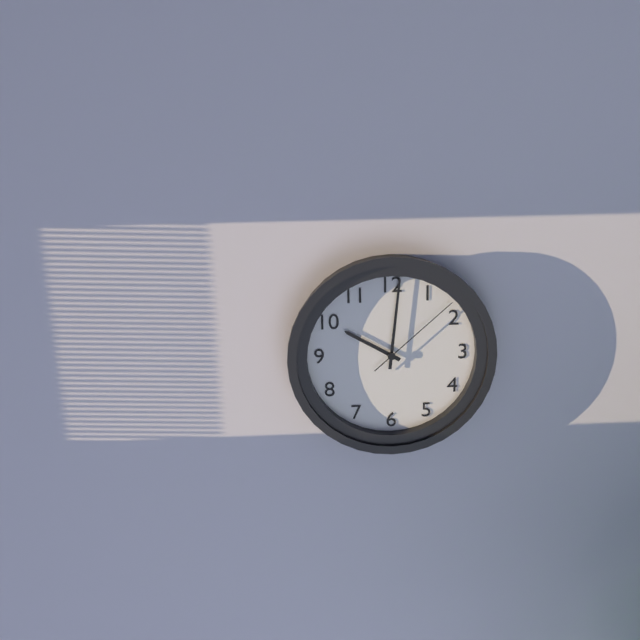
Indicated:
10:01:08
